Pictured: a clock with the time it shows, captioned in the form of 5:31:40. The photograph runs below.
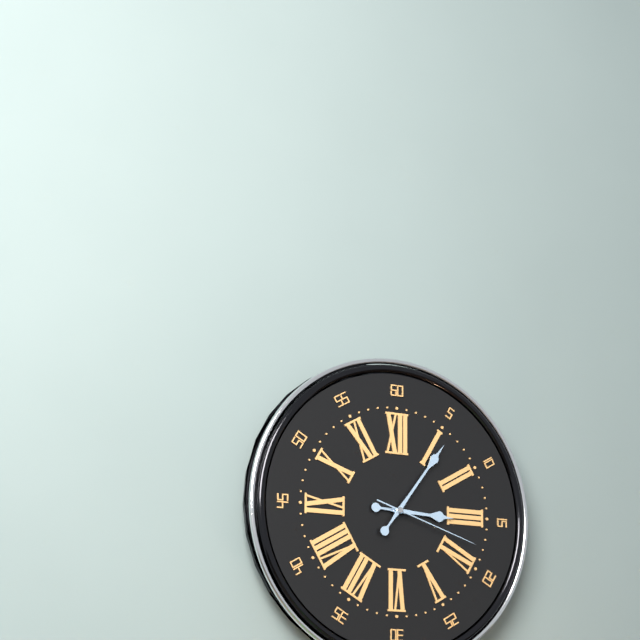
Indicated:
3:06:18
